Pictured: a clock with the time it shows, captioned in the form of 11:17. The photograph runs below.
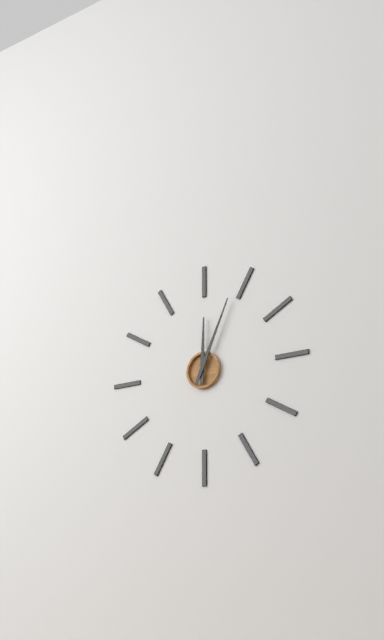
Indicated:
12:04
